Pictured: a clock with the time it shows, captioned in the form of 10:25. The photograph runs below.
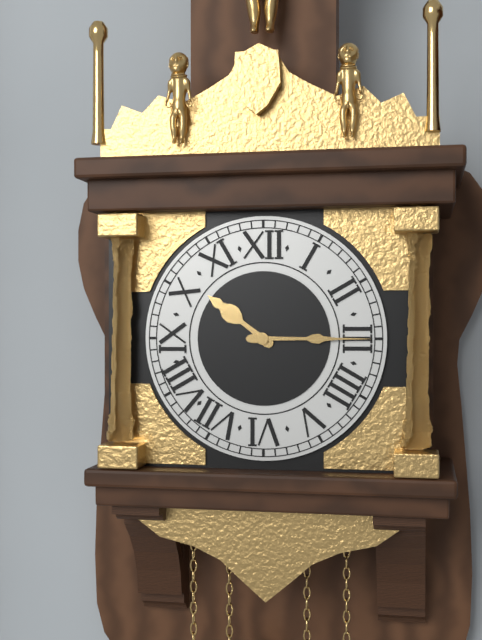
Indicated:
10:15
